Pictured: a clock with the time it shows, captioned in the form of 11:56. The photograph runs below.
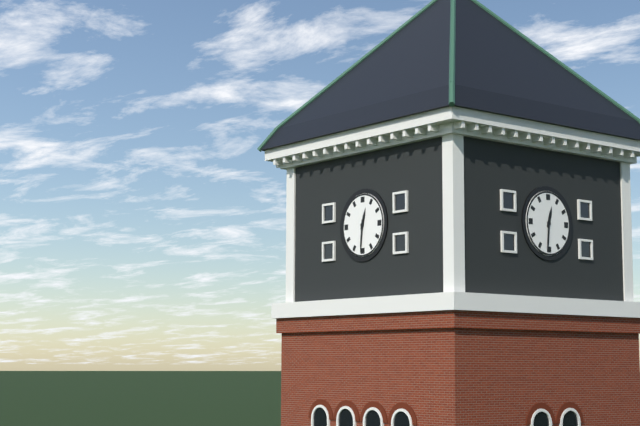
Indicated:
12:31
